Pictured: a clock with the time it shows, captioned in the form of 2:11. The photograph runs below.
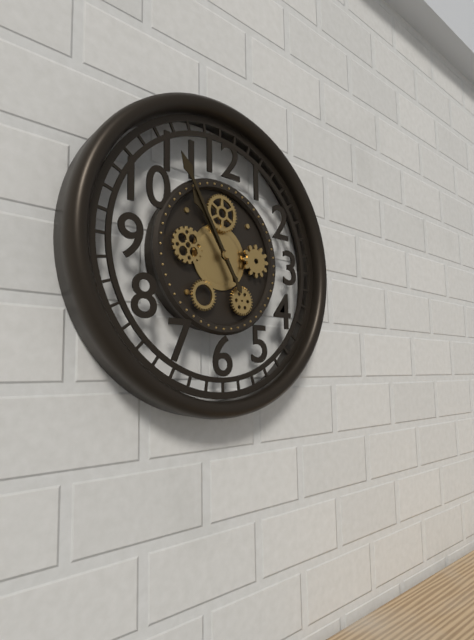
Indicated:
10:55
